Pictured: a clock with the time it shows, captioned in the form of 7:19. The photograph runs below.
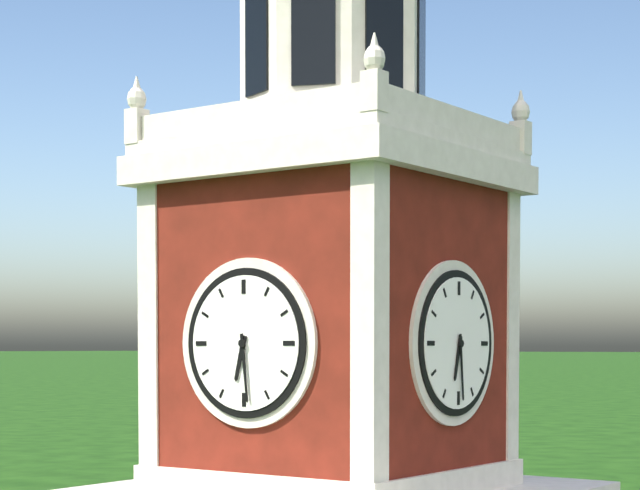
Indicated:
6:29
